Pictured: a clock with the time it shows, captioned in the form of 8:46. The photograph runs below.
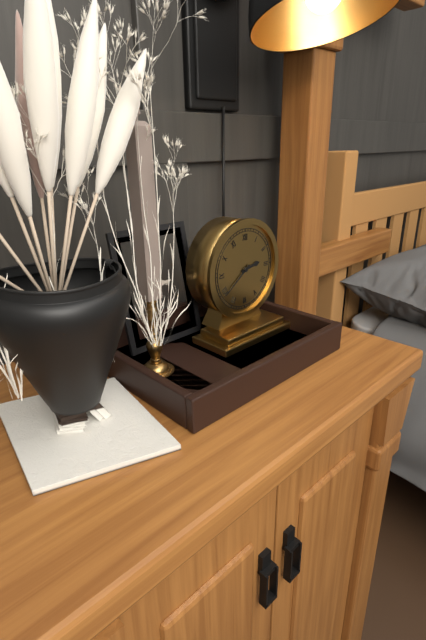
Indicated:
2:39
